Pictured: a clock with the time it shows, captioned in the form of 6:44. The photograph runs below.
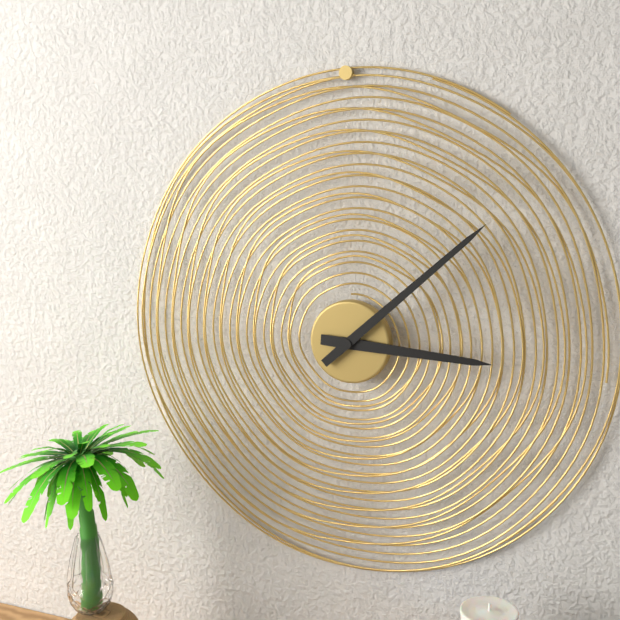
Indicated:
3:08
